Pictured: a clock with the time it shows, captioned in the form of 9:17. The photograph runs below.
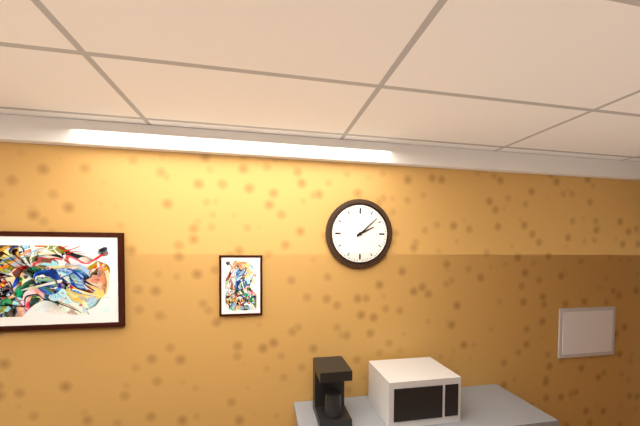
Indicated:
2:08
